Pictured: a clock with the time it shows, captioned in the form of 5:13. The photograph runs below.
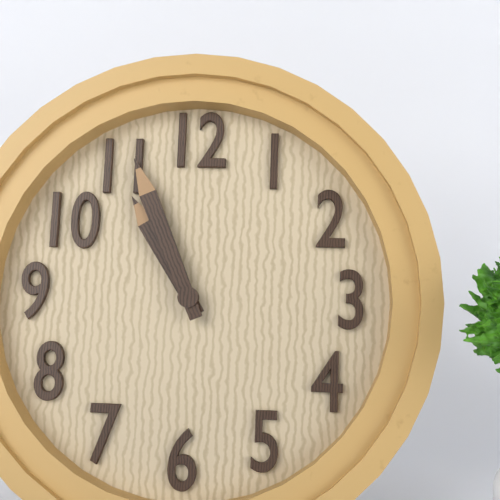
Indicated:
10:56
